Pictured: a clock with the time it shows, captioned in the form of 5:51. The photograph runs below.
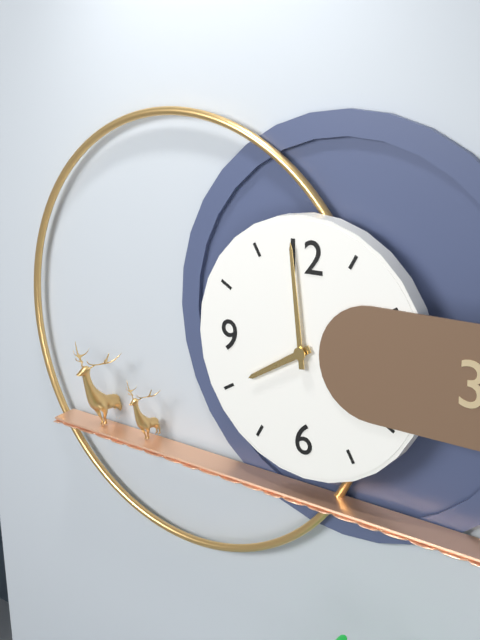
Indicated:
7:59
